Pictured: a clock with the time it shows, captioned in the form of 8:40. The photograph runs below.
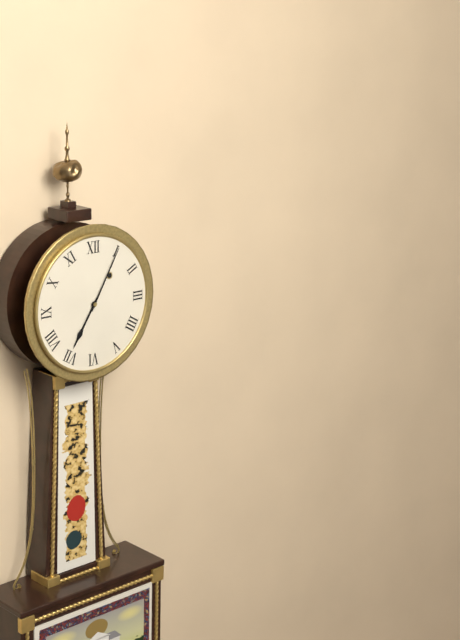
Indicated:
7:05
